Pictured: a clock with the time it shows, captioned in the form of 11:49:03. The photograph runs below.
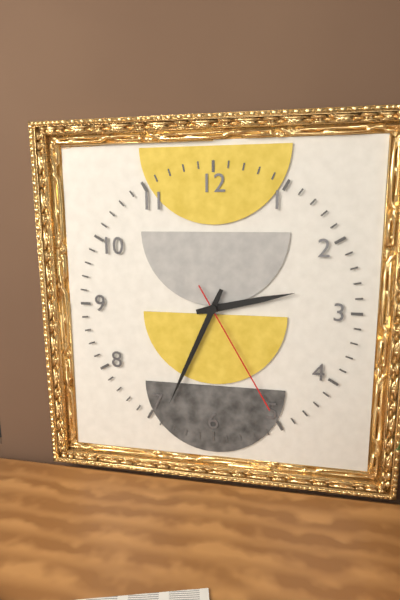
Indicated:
2:34:25
